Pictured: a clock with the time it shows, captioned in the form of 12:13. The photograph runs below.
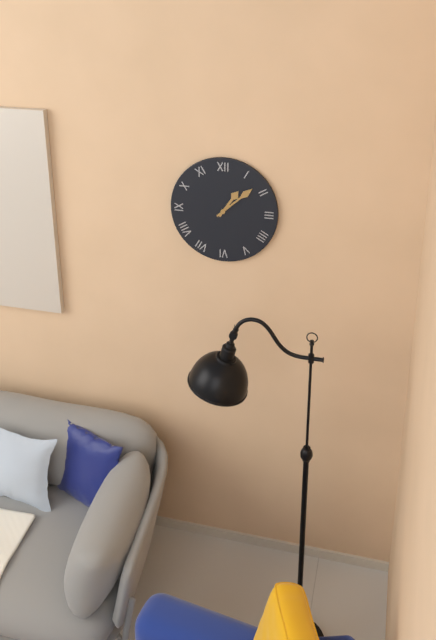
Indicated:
1:08
